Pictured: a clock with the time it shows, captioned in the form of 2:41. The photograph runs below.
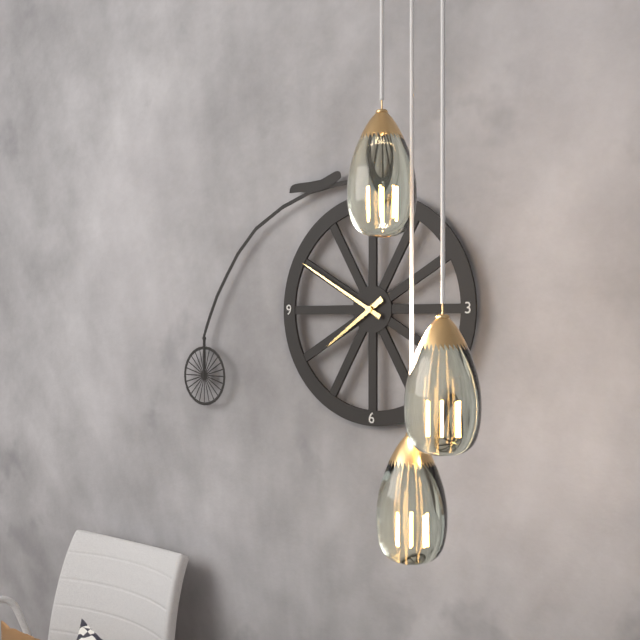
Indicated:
7:50
